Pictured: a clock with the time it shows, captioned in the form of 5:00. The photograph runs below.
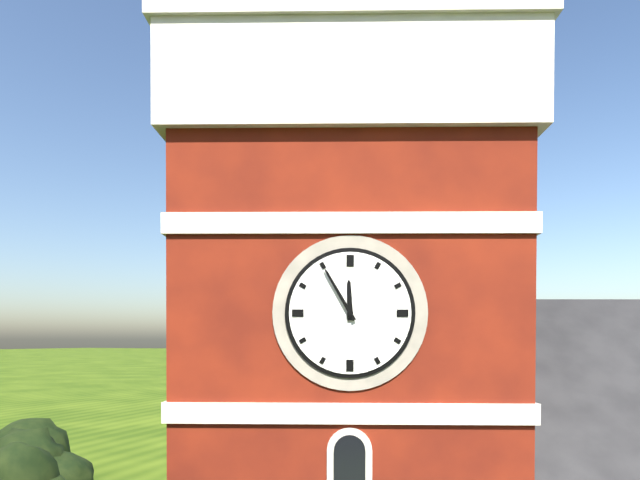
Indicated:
11:55
